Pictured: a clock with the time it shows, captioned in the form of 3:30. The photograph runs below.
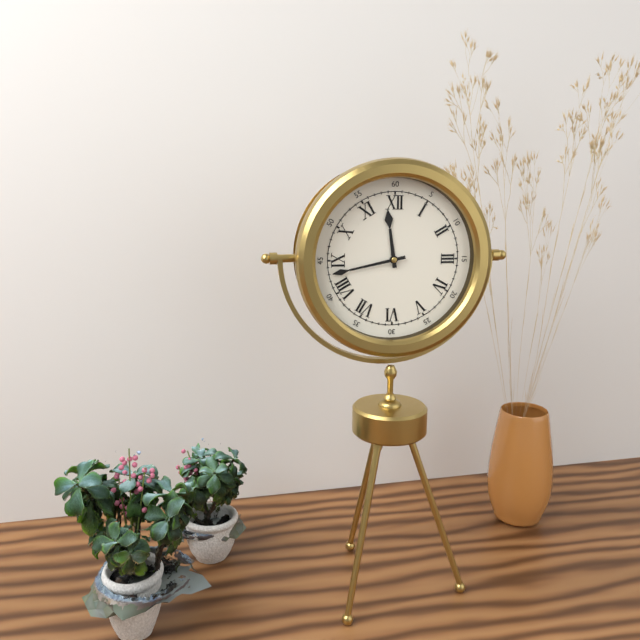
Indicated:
11:43
